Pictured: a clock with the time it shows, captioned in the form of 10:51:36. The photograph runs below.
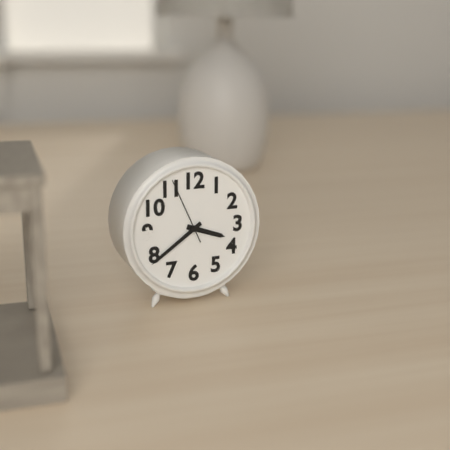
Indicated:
3:39:56
